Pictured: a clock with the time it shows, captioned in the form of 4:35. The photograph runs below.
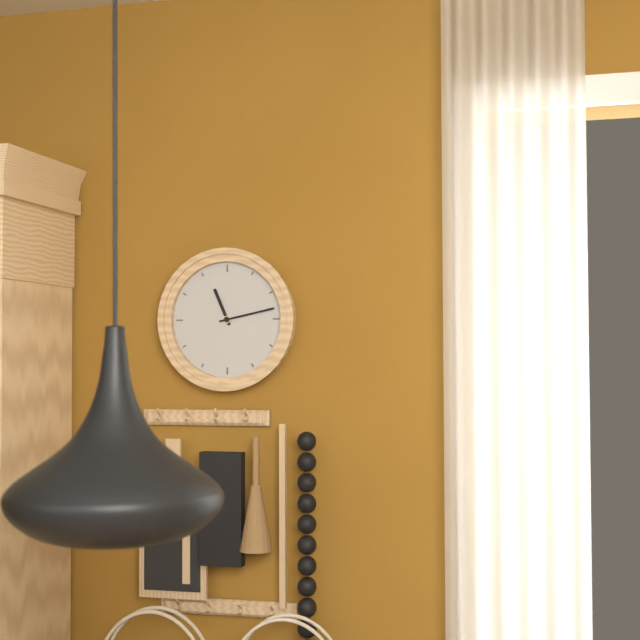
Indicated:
11:13
